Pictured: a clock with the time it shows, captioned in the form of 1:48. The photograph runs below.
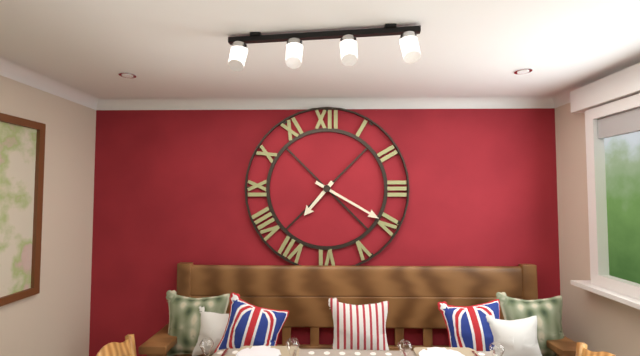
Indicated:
7:20
